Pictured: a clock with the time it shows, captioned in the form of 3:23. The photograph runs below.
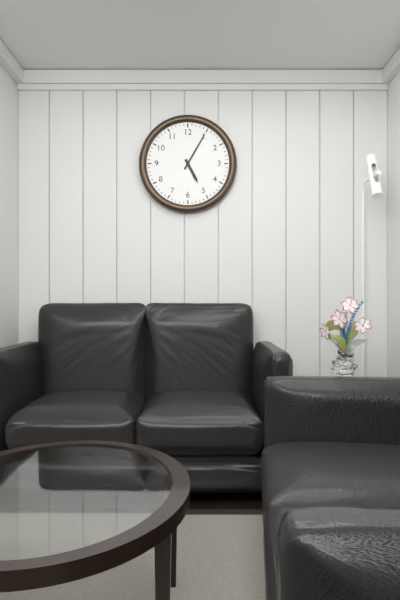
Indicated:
5:05
